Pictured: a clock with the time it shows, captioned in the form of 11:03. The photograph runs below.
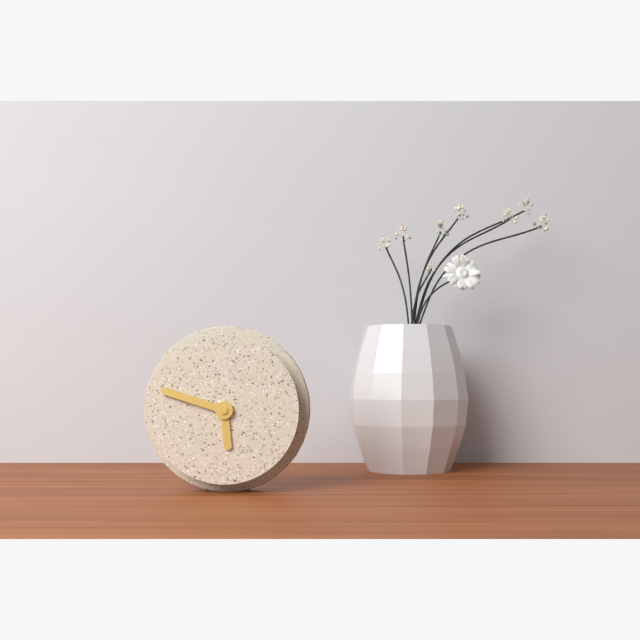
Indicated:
5:48
